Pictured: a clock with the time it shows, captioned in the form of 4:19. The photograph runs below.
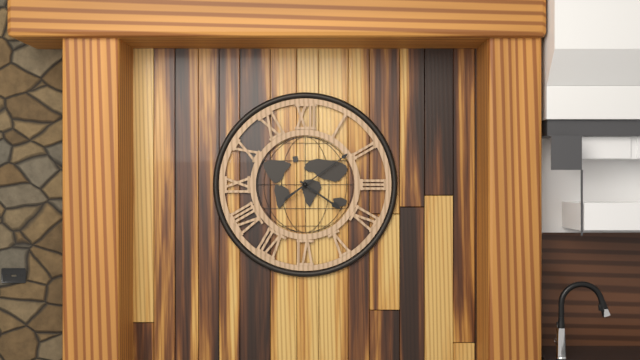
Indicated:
4:09
